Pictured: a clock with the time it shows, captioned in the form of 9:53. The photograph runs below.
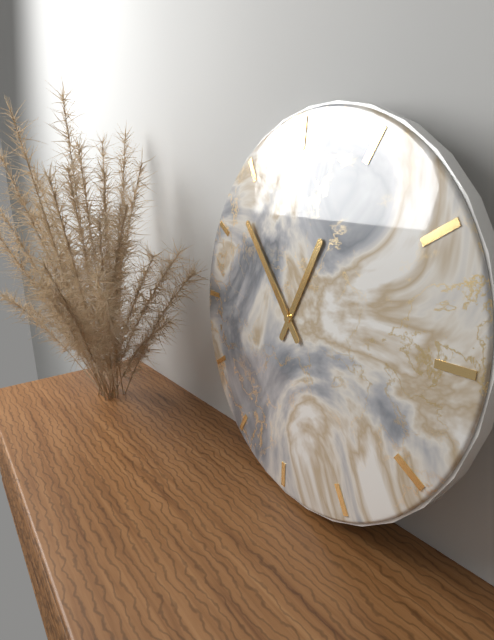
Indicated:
12:53
